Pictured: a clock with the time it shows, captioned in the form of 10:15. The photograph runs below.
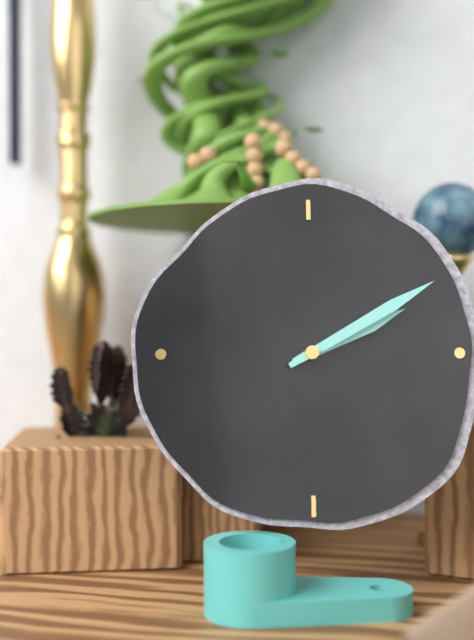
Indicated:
2:10
